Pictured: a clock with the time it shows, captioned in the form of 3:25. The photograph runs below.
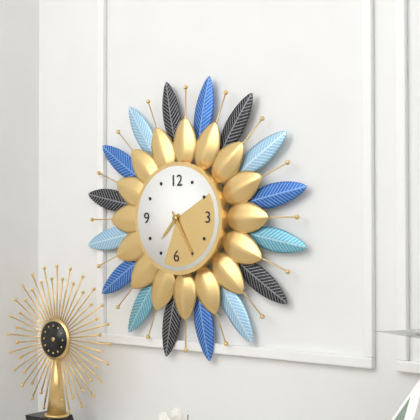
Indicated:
7:25
